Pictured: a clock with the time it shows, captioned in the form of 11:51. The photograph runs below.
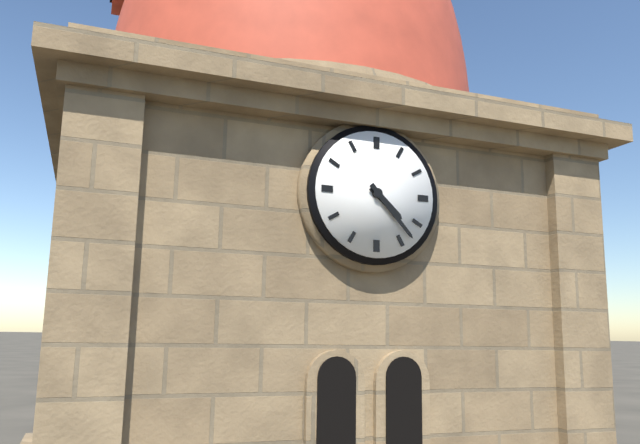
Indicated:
4:23
